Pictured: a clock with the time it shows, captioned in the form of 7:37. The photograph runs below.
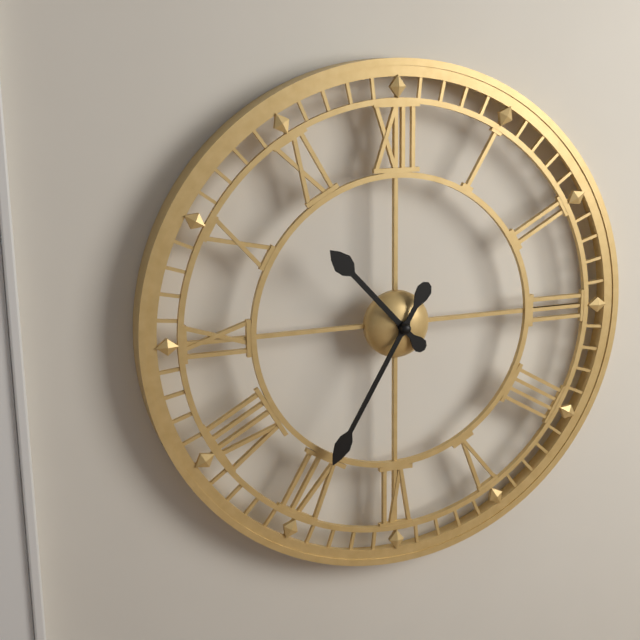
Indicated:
10:35
